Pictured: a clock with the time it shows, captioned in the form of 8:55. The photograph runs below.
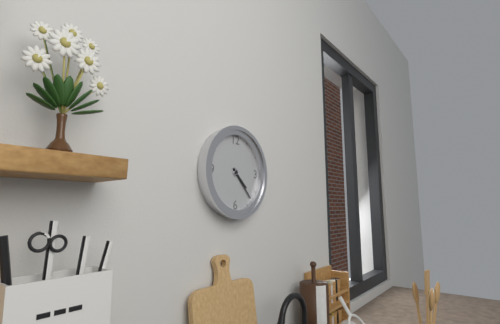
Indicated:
4:23
